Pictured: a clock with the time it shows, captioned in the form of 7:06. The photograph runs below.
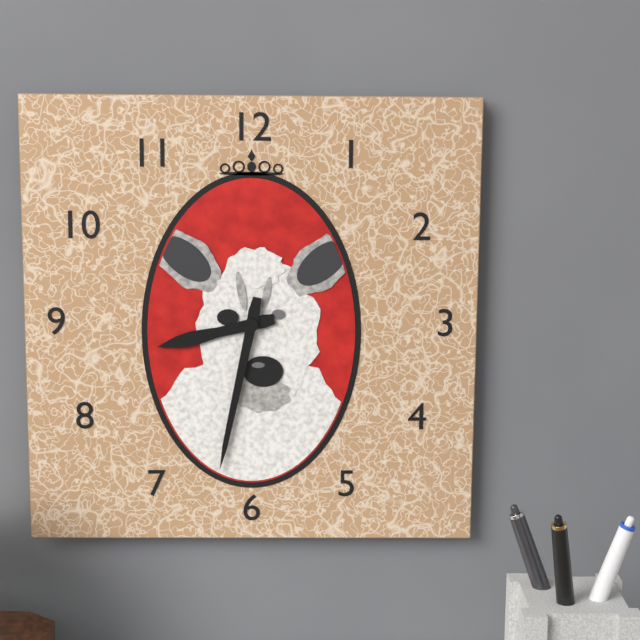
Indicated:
8:32
